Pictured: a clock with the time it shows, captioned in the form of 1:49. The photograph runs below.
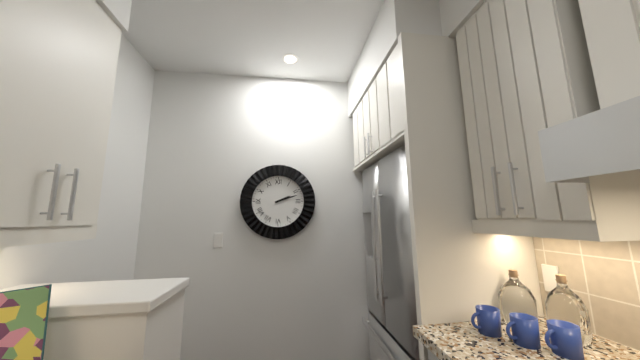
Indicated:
2:12
